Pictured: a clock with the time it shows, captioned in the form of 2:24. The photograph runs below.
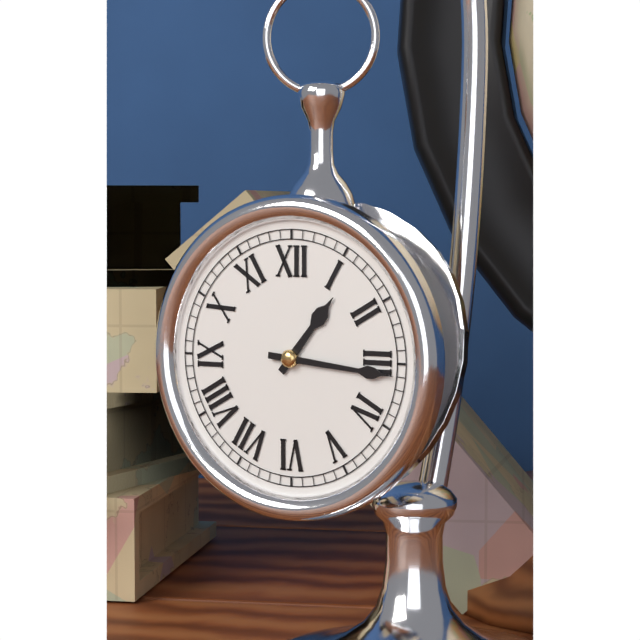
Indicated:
1:16
